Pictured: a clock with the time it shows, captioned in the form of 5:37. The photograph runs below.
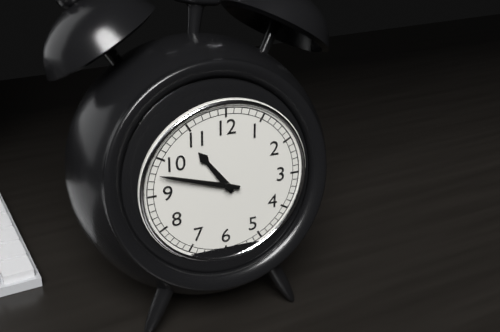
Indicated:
10:48
